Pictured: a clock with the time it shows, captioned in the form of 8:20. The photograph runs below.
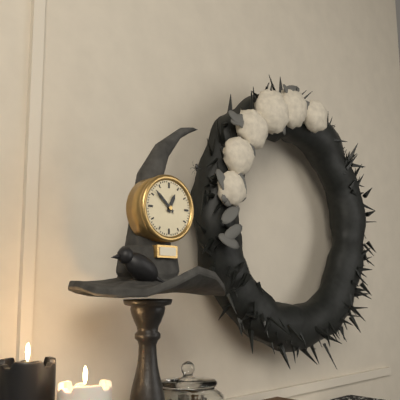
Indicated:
12:52
